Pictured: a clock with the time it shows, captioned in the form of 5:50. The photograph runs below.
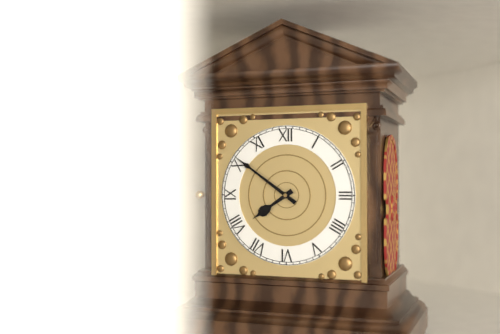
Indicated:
7:51
